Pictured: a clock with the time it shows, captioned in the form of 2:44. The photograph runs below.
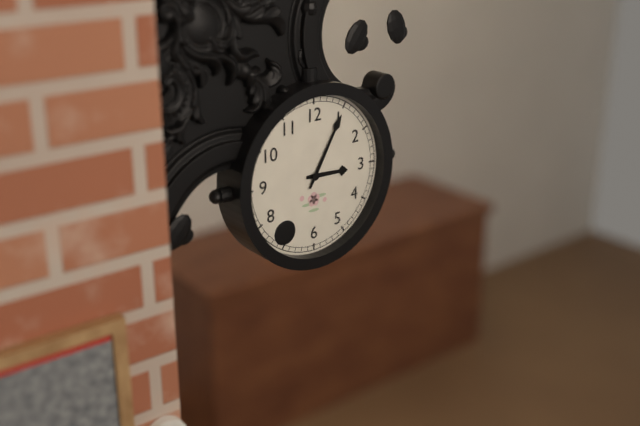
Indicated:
3:05
